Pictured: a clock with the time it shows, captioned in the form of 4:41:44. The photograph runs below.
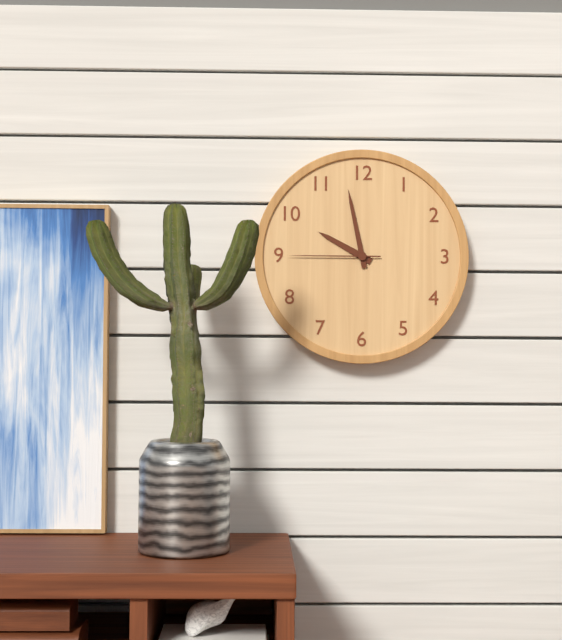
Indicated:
9:58:45
